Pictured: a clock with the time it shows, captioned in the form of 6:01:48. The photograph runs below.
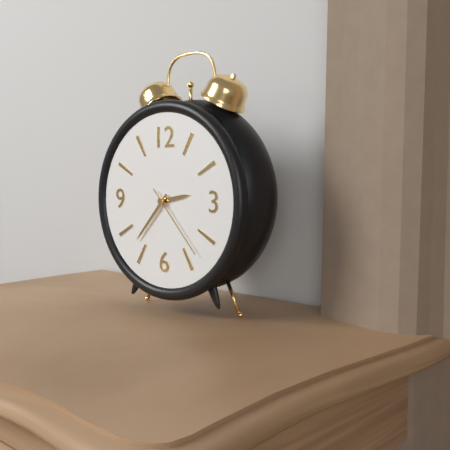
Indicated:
2:37:23
